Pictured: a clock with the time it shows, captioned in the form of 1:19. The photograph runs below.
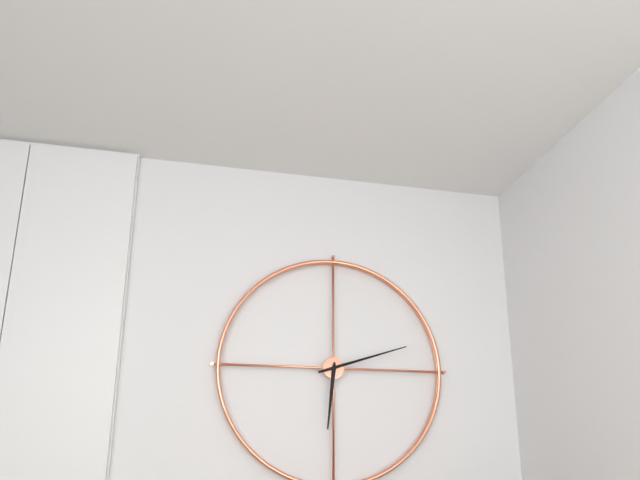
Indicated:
6:12
